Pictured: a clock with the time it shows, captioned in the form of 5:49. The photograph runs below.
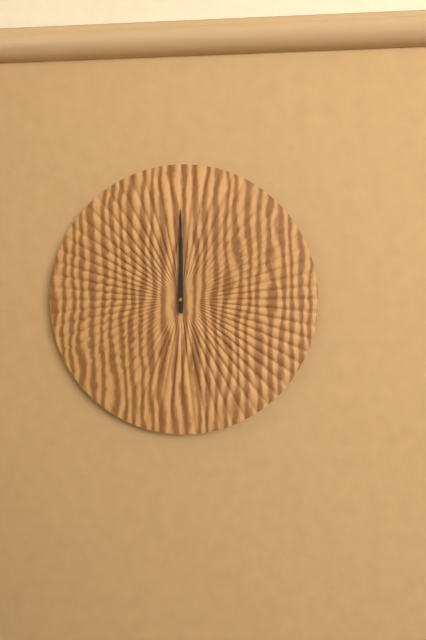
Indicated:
12:00
